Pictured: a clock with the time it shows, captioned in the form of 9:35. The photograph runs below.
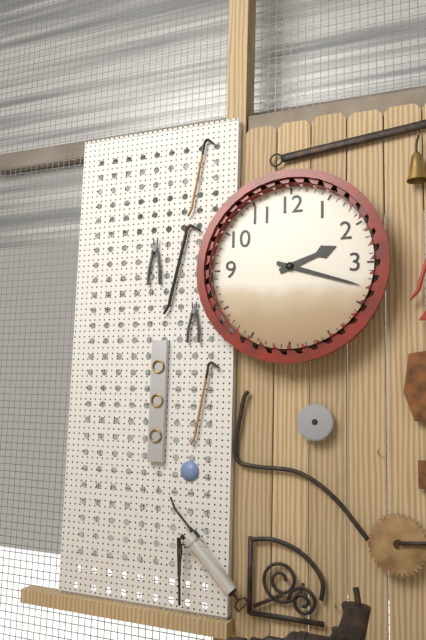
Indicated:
2:18
